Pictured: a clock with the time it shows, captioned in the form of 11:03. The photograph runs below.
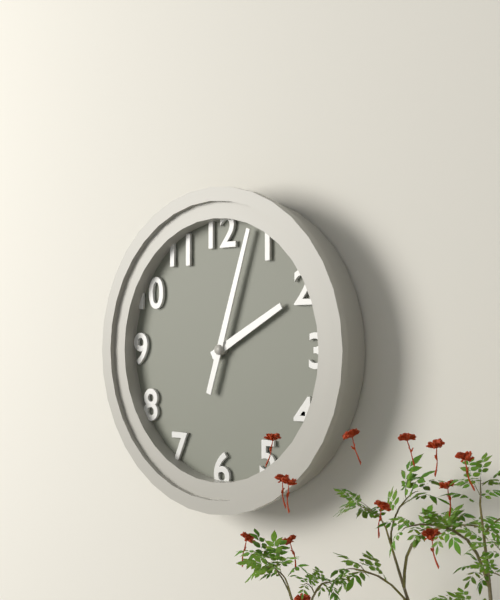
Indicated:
2:03
